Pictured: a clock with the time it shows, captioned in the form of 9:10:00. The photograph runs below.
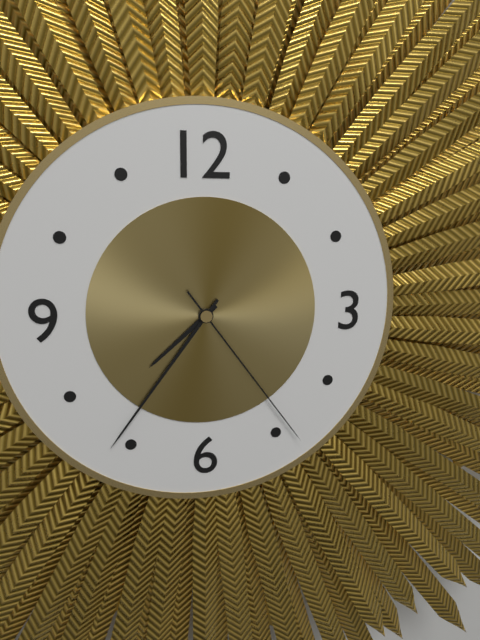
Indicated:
7:36:24
